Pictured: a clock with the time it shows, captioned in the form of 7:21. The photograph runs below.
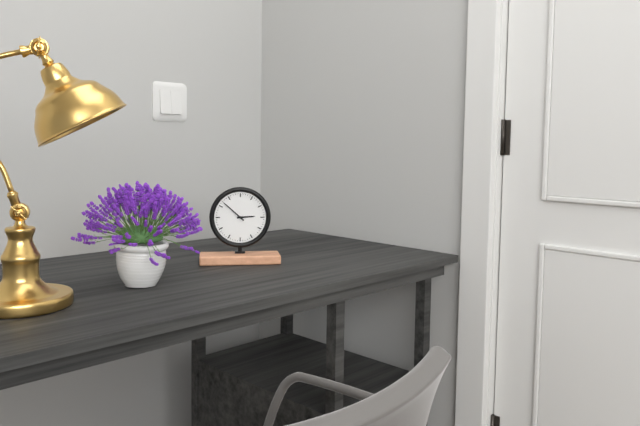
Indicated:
2:52
